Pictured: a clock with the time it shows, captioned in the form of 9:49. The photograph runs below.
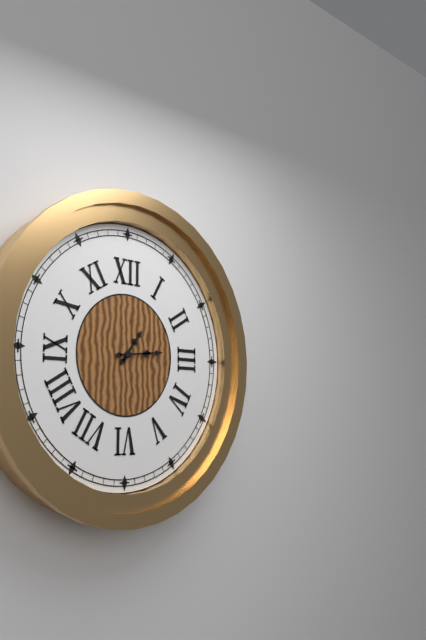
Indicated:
1:14
